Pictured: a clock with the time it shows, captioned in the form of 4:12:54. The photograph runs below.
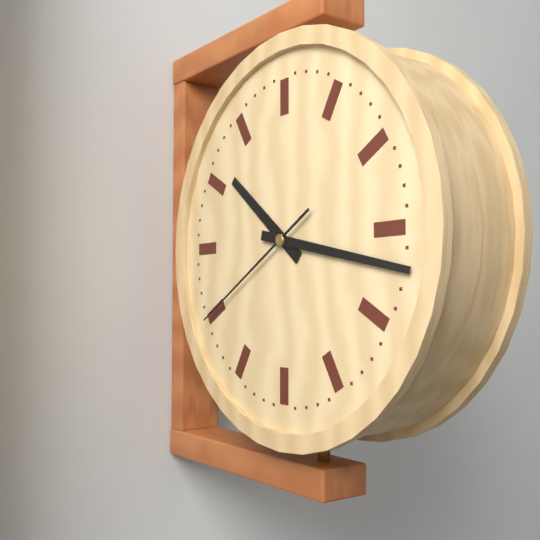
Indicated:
10:17:40
